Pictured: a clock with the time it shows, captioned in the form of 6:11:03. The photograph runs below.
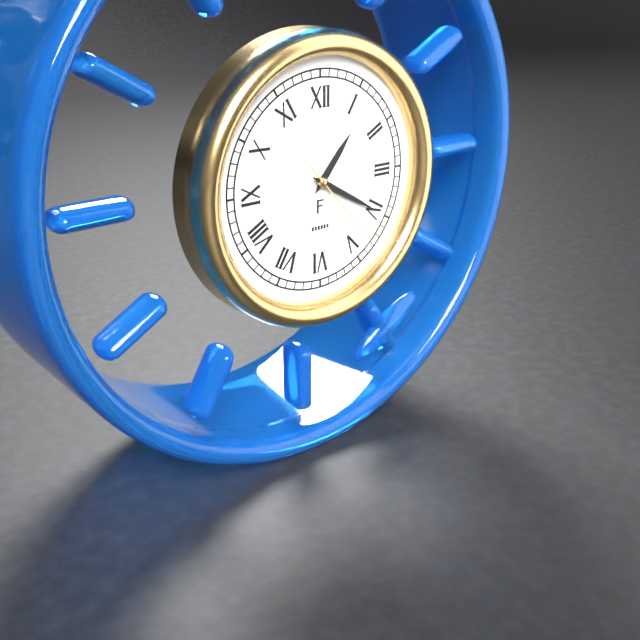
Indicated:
1:20:23
